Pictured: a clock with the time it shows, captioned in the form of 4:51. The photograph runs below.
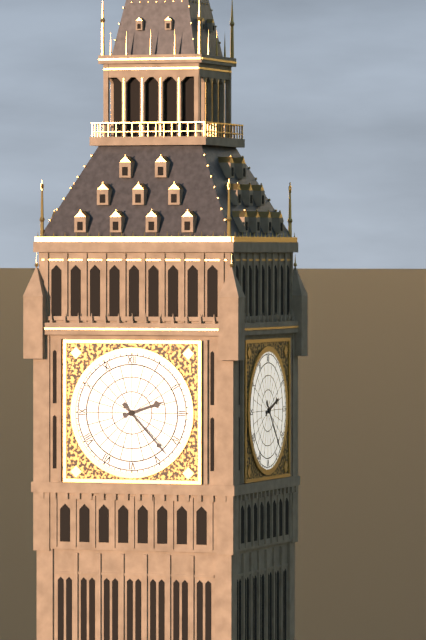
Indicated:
2:23
